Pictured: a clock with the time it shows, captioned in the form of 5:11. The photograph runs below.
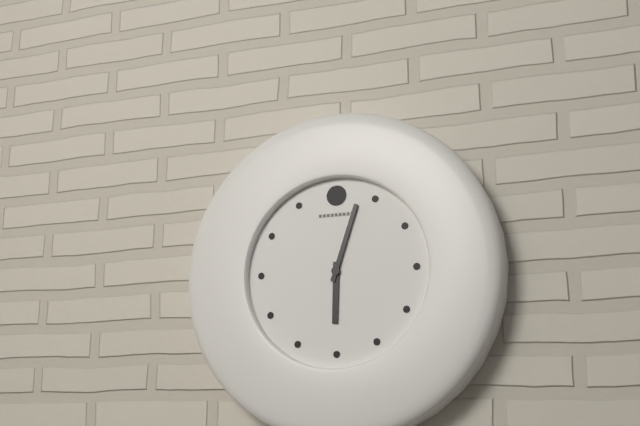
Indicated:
6:03
